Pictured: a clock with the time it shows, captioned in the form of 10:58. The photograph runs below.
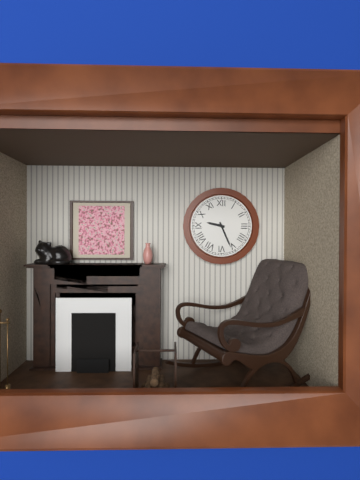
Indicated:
9:26
